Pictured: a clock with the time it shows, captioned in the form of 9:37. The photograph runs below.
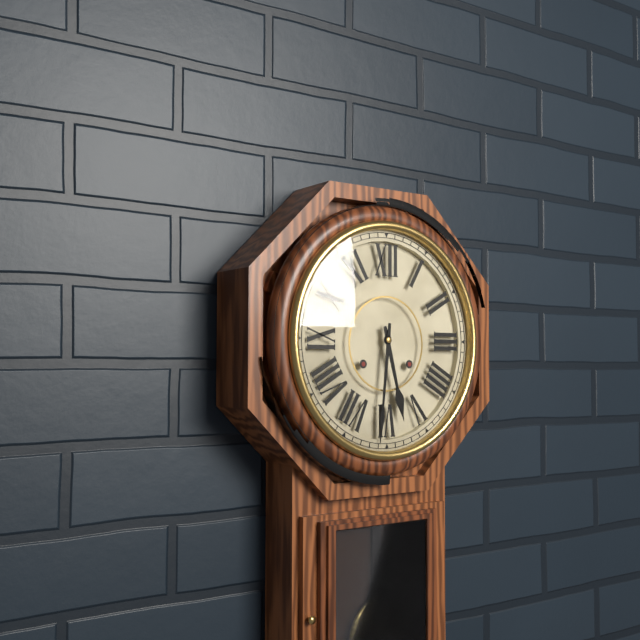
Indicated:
5:31
